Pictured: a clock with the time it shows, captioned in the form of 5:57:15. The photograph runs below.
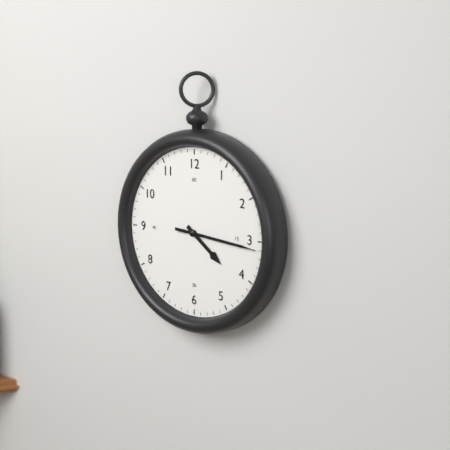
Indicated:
4:16:16
